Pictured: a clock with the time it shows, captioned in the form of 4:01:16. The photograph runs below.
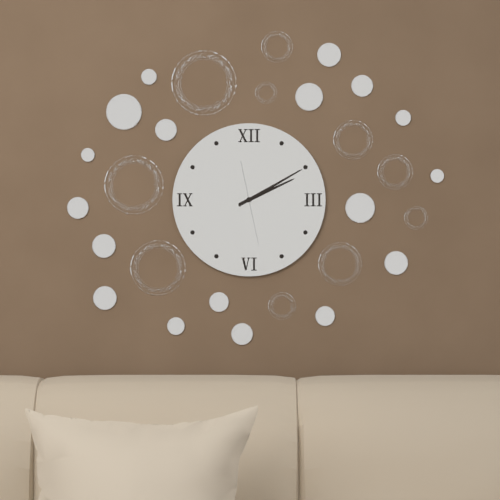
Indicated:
2:10:28
